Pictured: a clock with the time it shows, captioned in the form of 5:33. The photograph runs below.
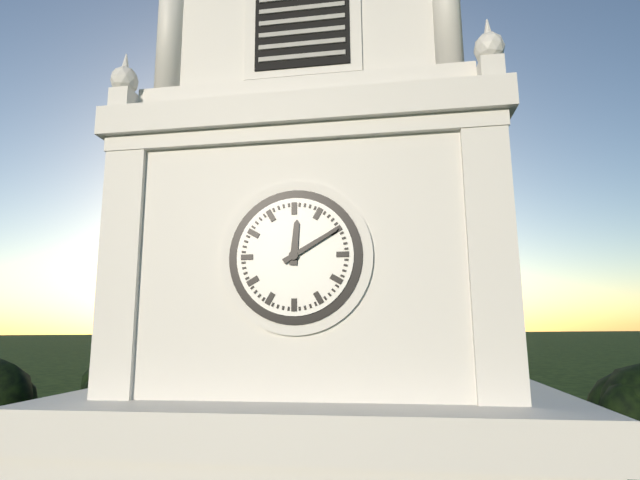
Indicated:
12:10
